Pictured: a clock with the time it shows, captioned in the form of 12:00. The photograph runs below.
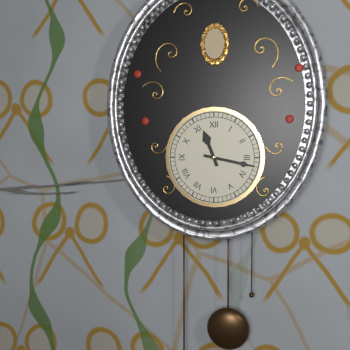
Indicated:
11:17
